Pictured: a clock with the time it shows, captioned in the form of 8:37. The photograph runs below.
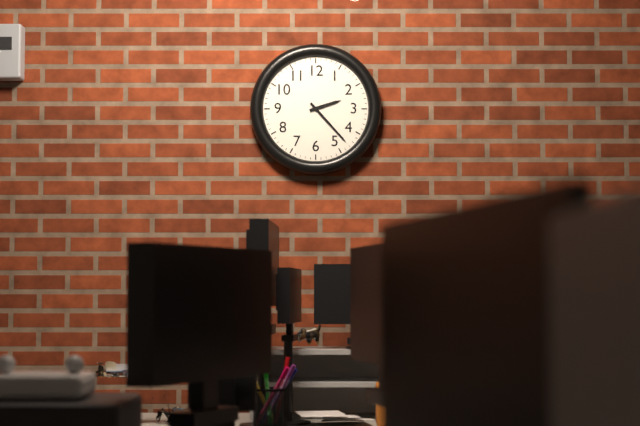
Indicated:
2:23
